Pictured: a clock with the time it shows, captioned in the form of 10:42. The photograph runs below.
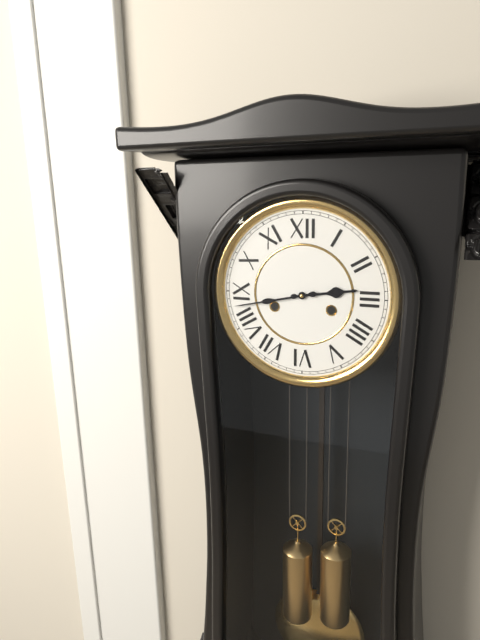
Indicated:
2:43
